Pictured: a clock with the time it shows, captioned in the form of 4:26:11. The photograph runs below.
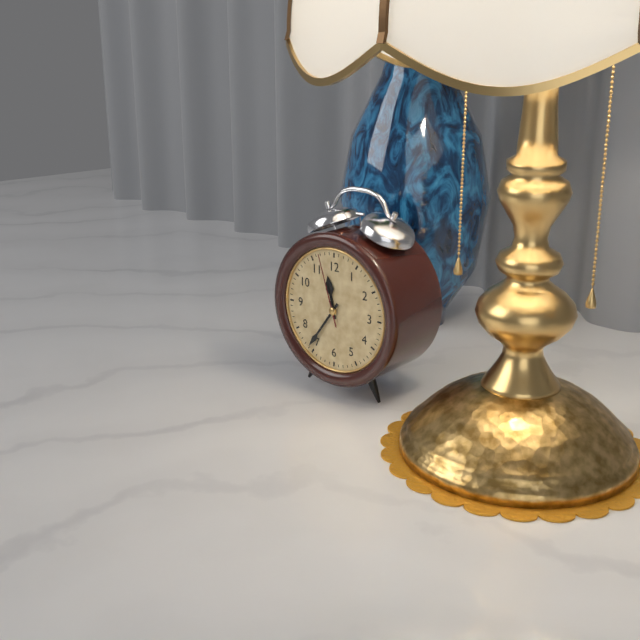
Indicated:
11:36:57
